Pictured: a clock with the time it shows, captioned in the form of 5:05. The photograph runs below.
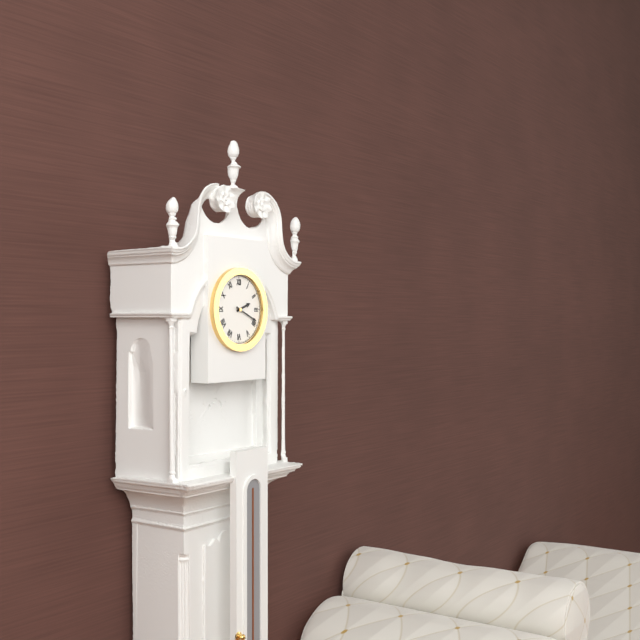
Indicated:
2:19
